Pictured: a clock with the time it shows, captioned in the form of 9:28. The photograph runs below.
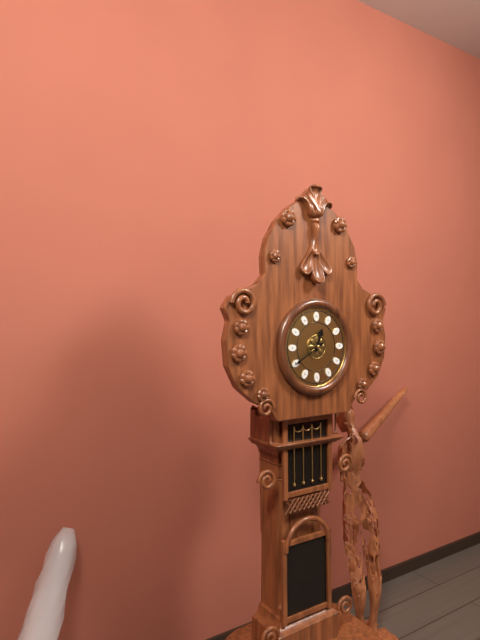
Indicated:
12:40
